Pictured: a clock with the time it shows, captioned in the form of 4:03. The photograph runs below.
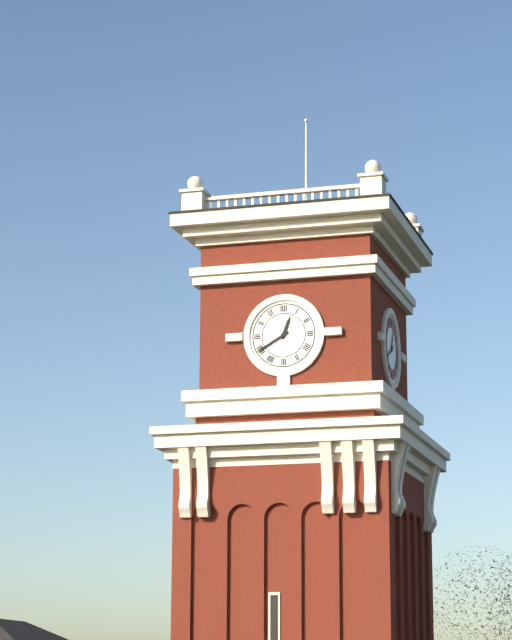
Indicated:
12:40
